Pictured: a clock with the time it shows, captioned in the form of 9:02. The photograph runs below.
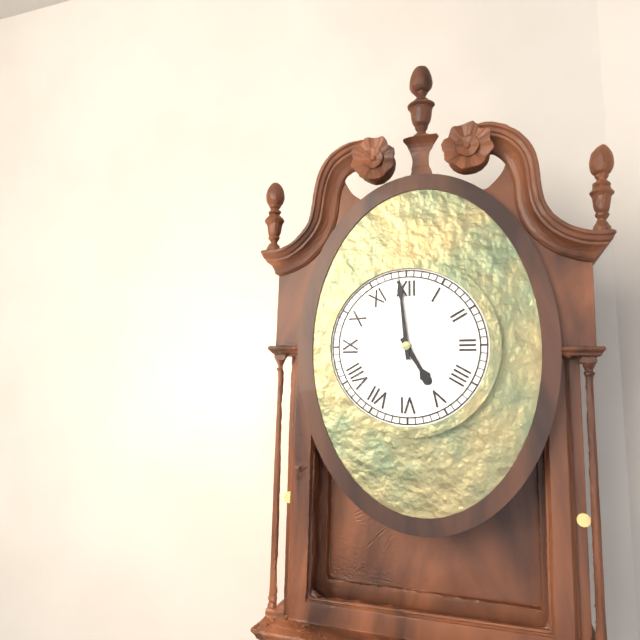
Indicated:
4:59
